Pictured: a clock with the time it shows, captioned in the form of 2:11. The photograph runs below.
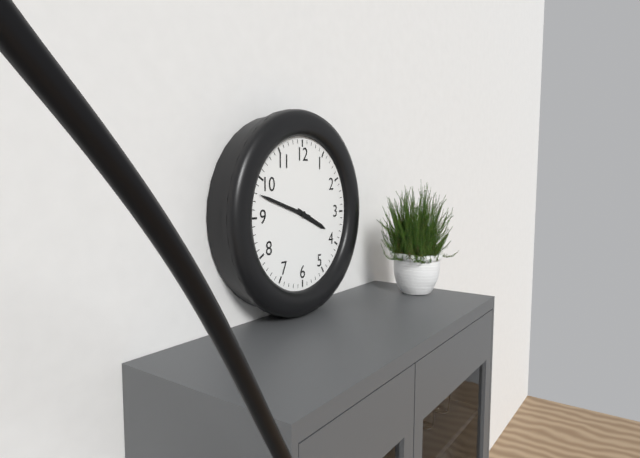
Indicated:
3:48
